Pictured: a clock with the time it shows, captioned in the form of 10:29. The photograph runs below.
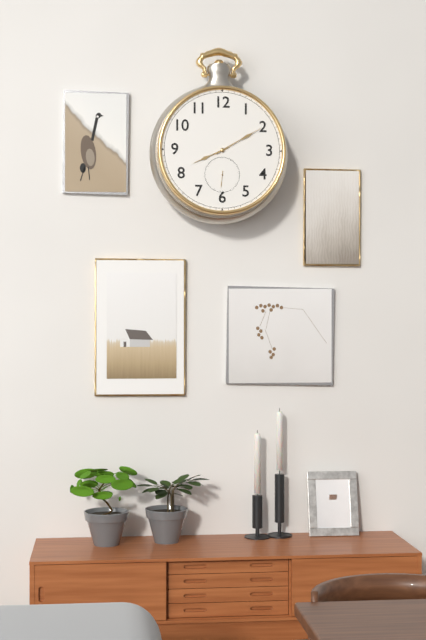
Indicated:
8:10
